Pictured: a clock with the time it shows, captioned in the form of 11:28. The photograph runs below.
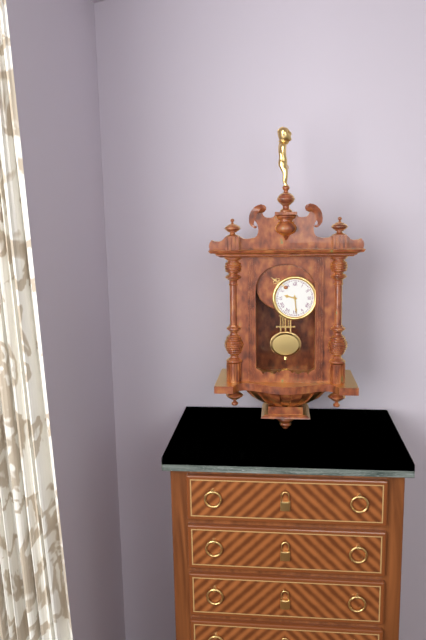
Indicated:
9:29
